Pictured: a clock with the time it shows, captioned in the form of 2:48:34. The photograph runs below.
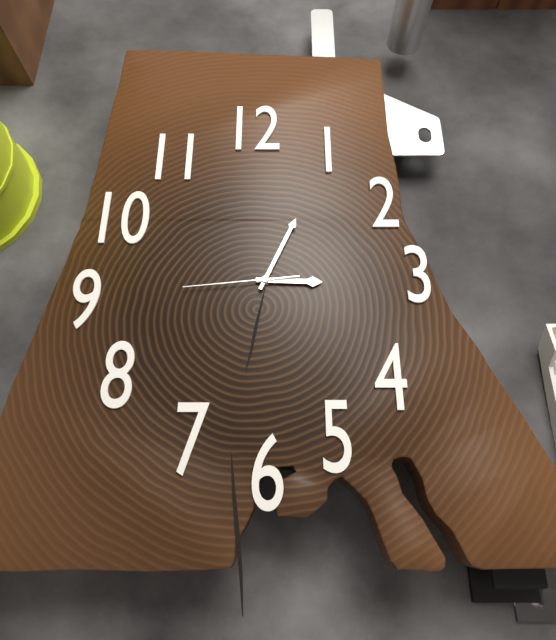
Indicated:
3:04:44
